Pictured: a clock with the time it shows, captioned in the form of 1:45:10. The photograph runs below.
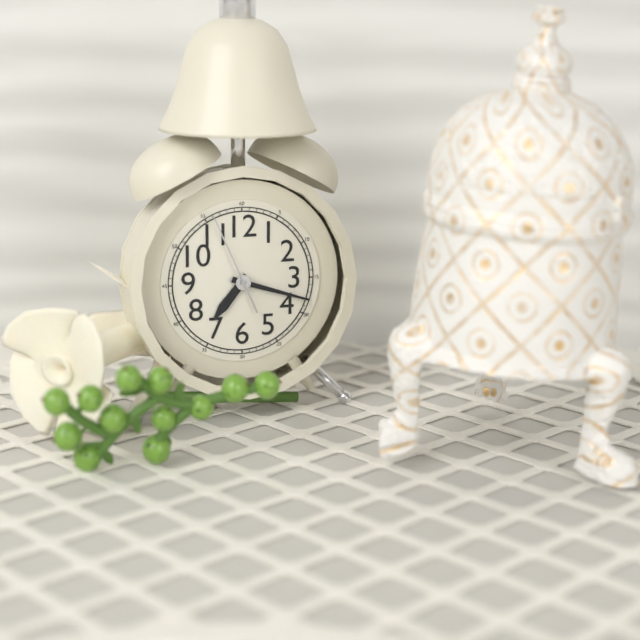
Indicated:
7:18:56
